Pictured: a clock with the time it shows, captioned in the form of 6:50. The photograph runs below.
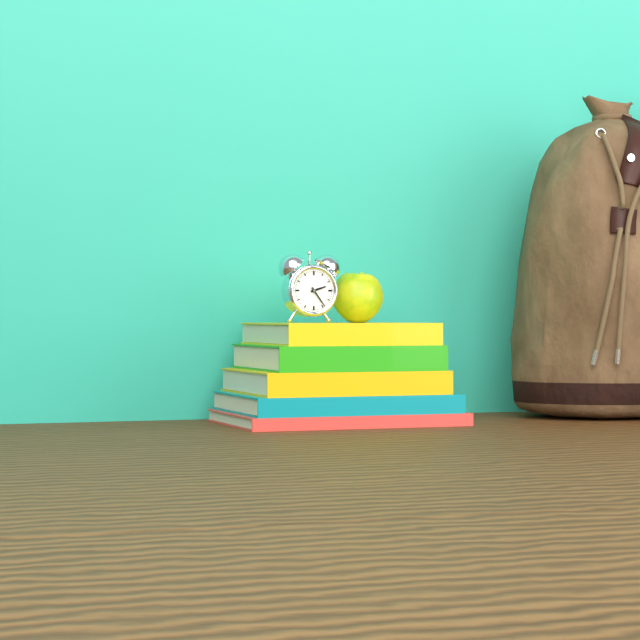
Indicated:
2:24
